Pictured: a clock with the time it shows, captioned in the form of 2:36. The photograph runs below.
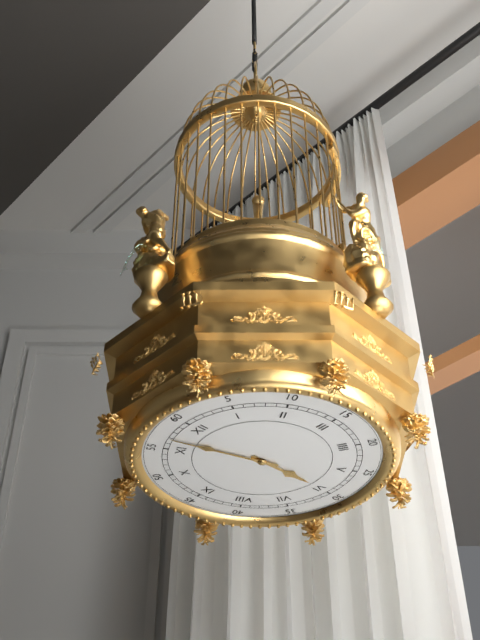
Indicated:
5:57
